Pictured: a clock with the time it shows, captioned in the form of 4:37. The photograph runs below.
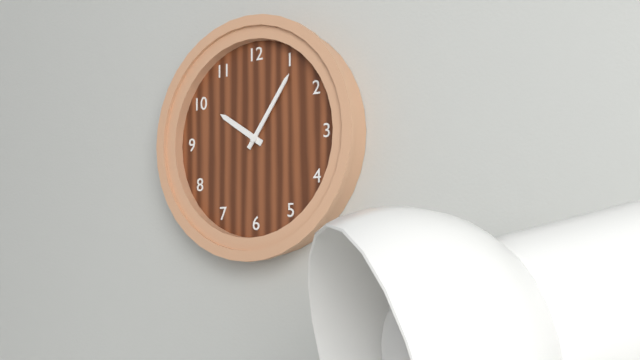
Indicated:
10:06
